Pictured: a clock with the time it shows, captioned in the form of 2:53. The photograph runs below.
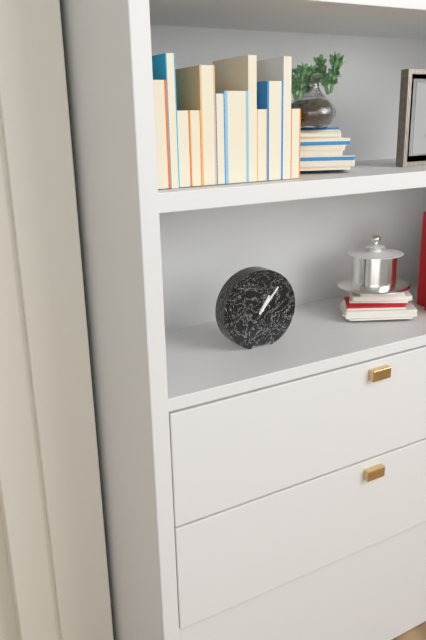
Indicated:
1:07
